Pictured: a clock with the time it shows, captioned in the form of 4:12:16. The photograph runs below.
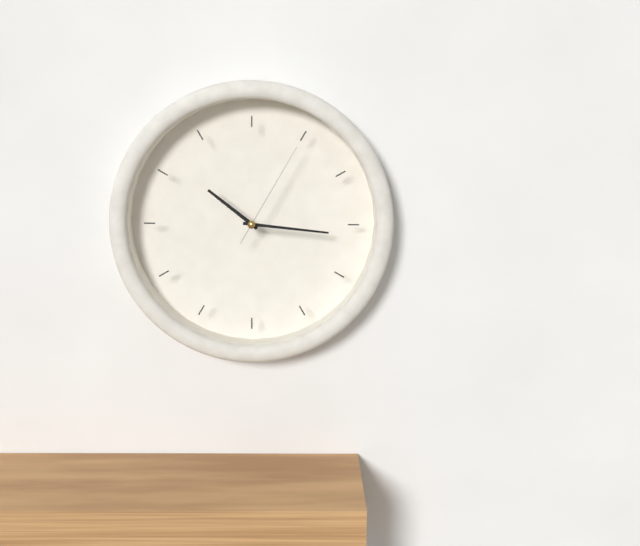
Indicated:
10:16:05
